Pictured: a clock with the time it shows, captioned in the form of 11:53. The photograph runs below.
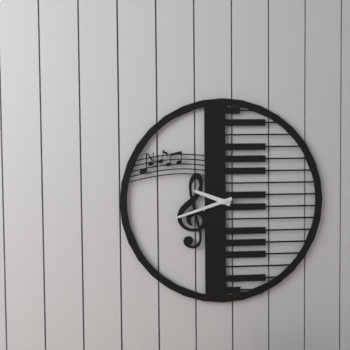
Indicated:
9:42
